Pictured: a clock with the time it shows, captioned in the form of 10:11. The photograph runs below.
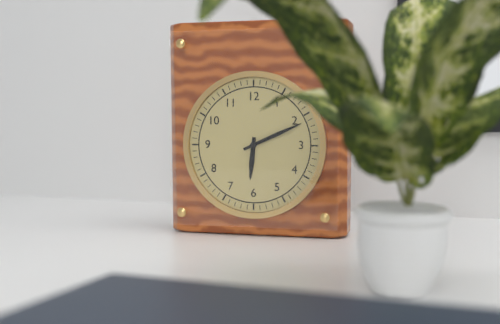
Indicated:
6:11
